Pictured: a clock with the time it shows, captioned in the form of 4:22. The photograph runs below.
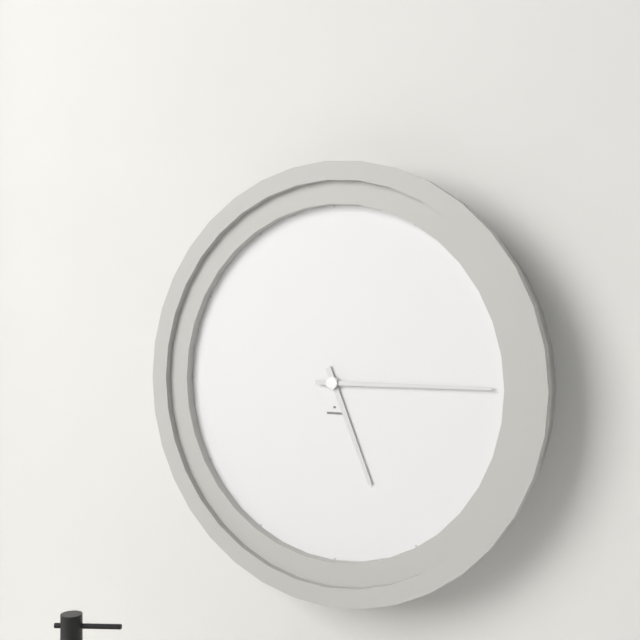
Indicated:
5:15
